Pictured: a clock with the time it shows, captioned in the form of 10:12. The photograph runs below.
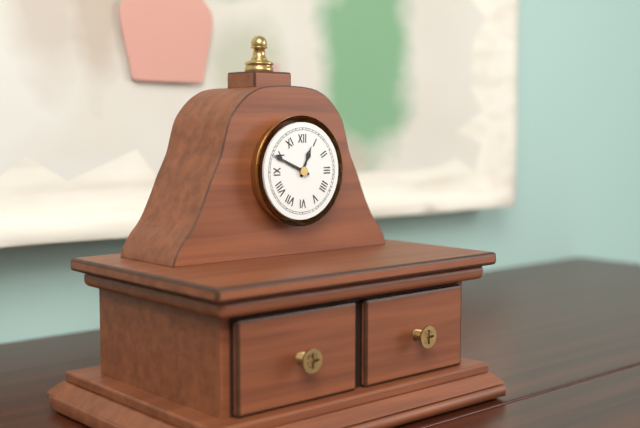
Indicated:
12:49
